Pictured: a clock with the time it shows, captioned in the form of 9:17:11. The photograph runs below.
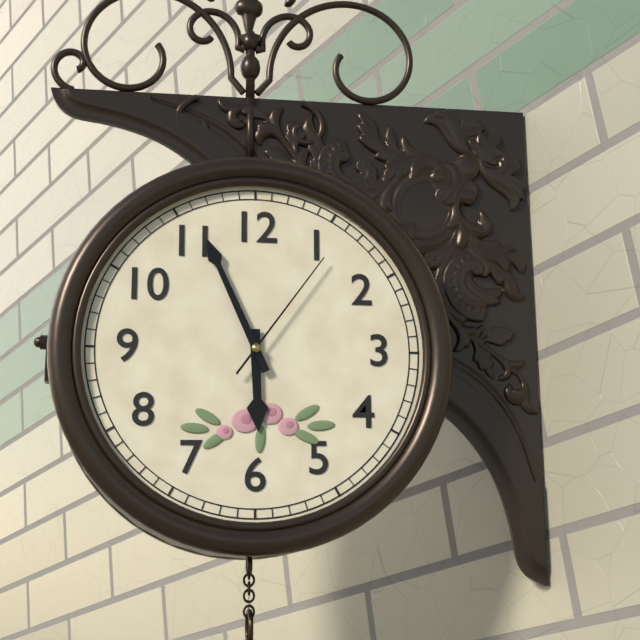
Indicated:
5:56:06
